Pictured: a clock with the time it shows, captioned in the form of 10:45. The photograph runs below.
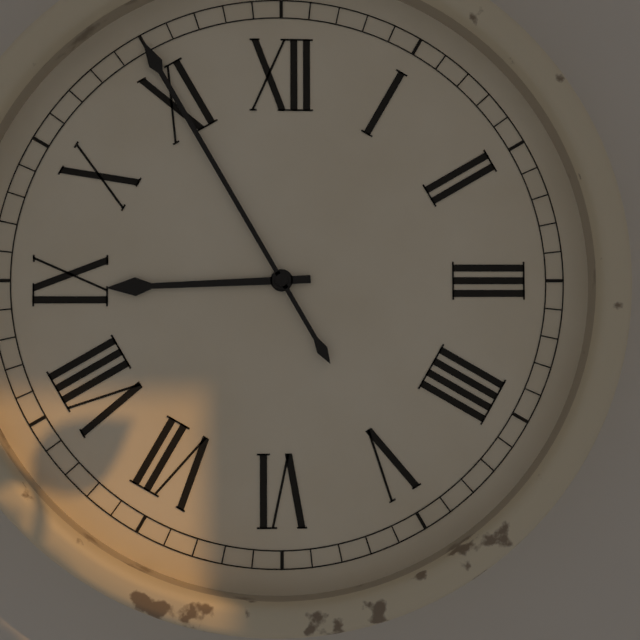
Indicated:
8:55
